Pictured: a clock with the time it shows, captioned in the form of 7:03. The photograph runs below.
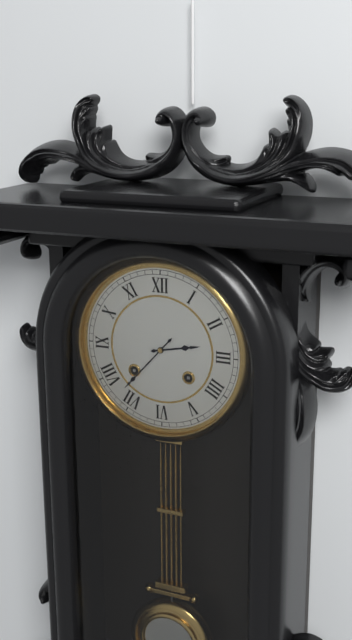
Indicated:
2:37
